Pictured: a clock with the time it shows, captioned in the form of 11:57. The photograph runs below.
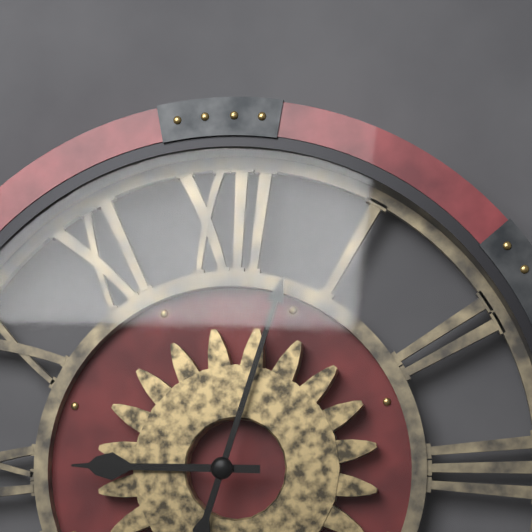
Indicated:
9:03
